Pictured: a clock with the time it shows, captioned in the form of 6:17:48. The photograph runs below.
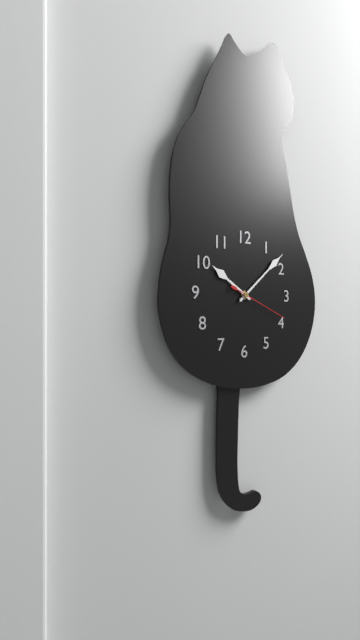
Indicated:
10:08:19
